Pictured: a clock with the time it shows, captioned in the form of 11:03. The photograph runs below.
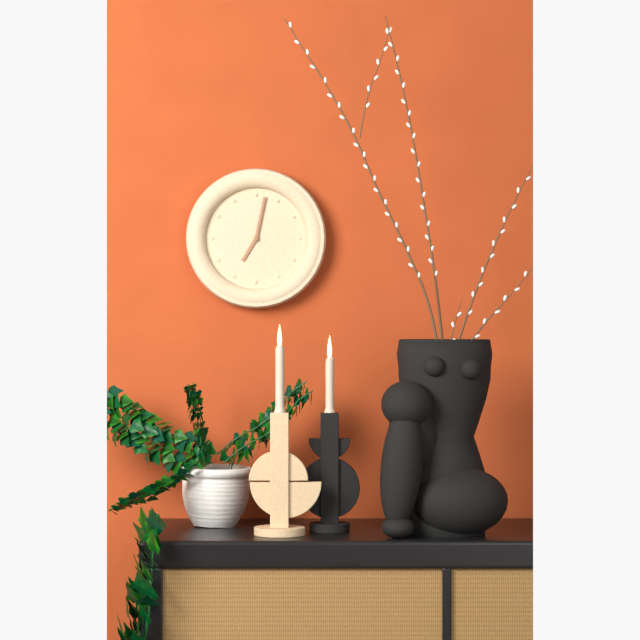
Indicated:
7:02
